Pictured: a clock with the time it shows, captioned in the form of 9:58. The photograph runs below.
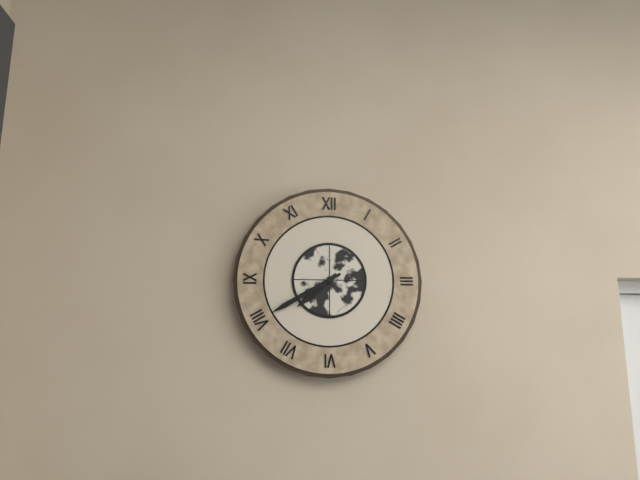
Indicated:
7:40
